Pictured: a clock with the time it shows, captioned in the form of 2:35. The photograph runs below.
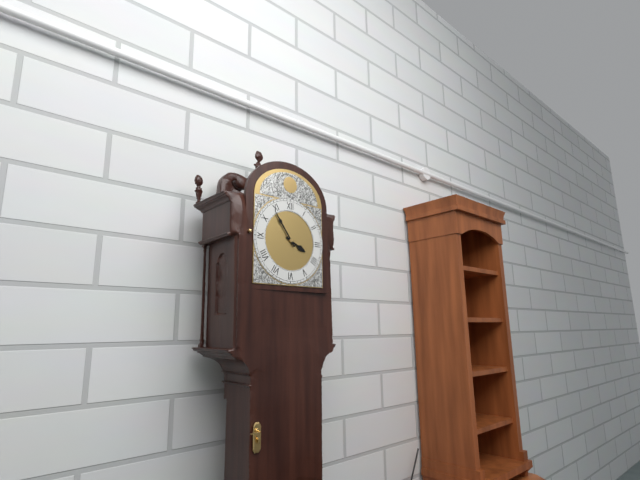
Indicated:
3:54
